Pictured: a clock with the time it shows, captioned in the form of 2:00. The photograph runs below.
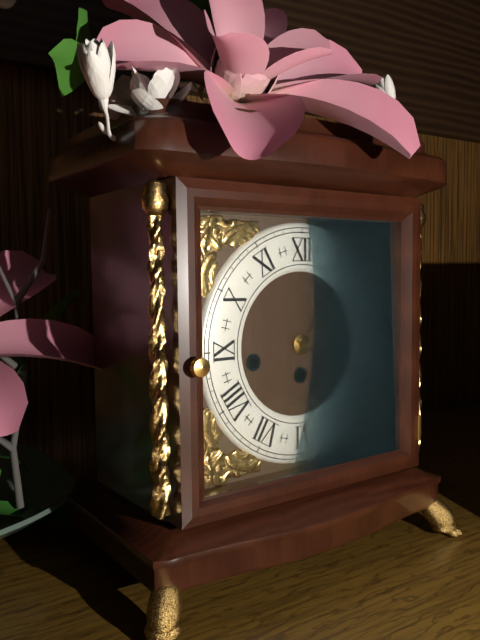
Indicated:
1:19
